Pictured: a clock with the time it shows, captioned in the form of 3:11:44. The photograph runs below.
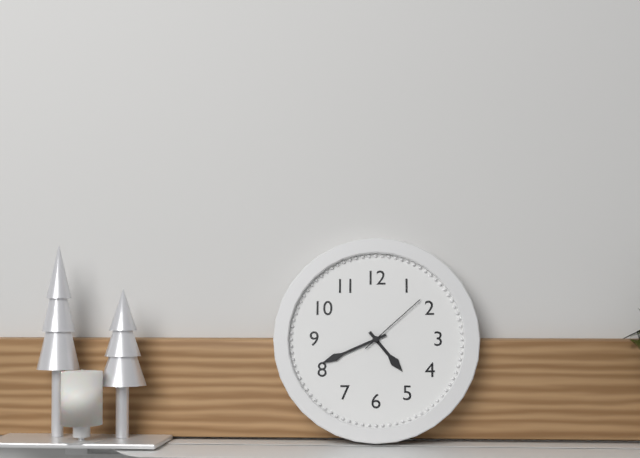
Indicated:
4:41:08
